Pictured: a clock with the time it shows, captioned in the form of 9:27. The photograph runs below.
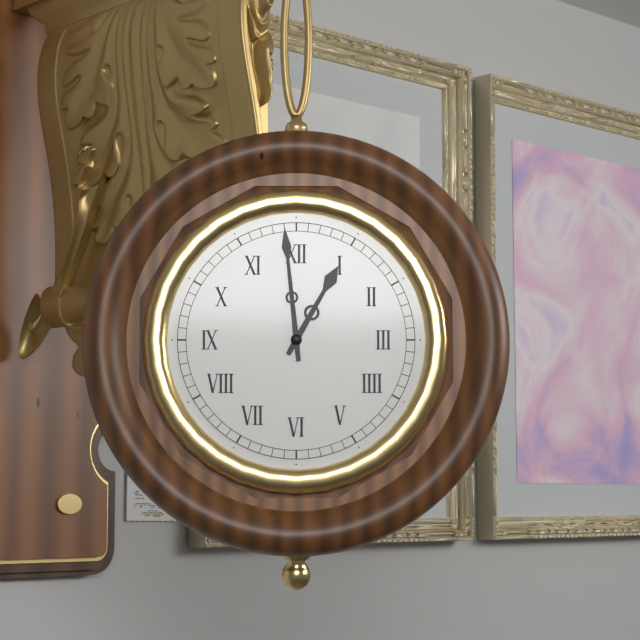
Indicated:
12:59
